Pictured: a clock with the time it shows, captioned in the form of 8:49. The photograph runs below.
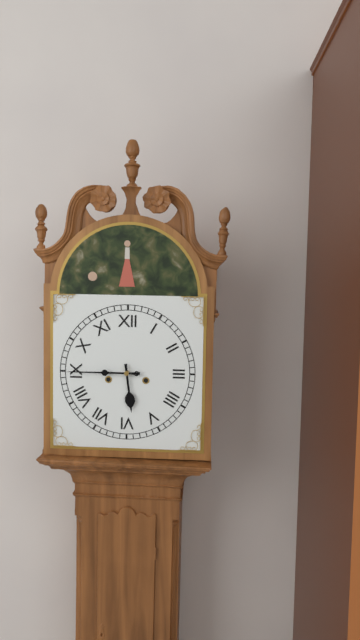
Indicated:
5:45
